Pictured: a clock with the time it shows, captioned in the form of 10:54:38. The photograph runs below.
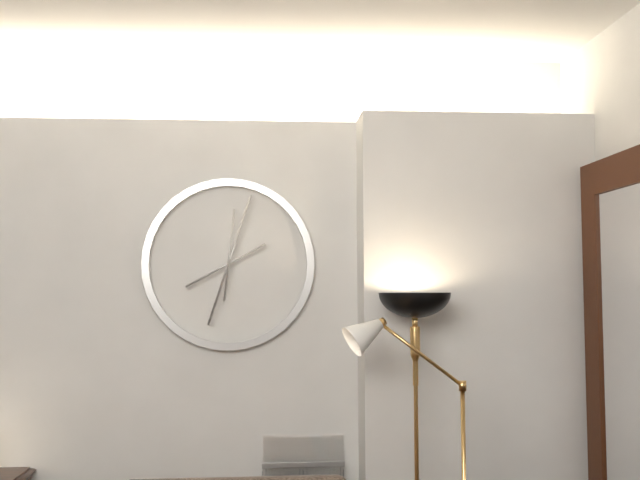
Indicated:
8:03:01
